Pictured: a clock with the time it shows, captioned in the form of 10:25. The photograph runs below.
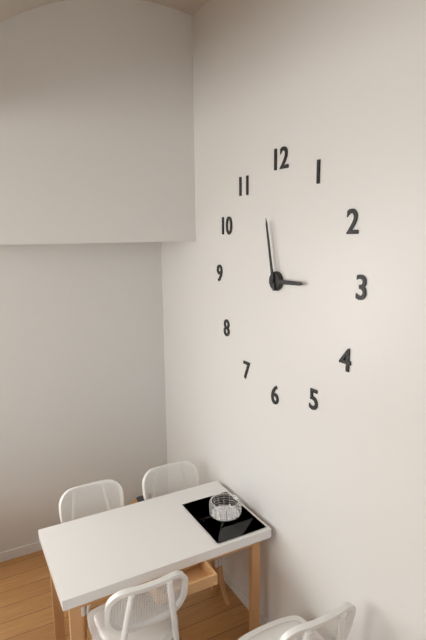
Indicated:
2:58
